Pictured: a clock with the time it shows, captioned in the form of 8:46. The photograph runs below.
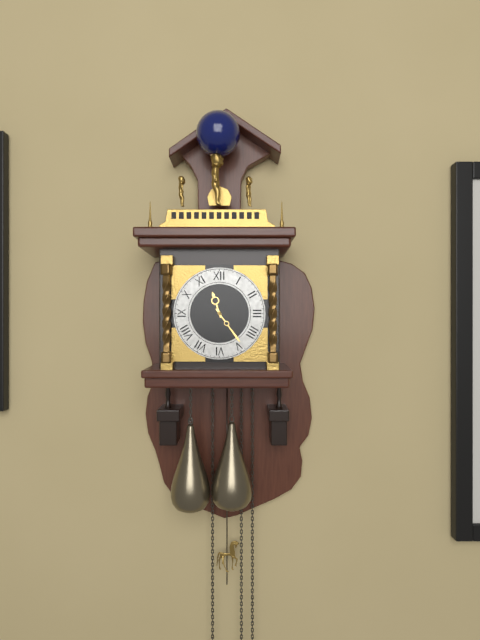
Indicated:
11:24
